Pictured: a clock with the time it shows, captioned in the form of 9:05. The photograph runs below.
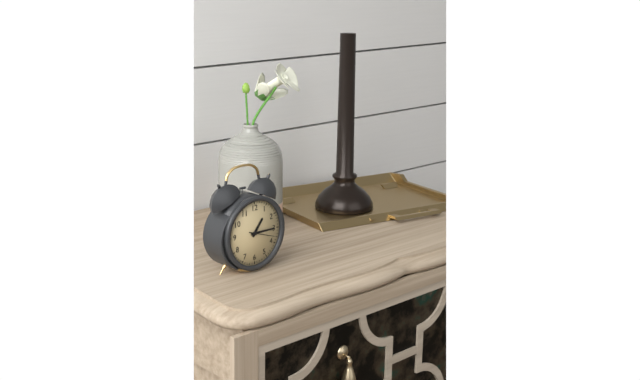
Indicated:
1:15
